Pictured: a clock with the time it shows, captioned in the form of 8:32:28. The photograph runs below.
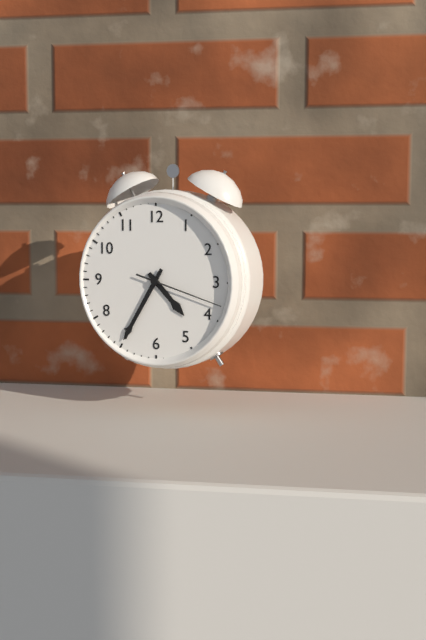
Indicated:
4:35:18
